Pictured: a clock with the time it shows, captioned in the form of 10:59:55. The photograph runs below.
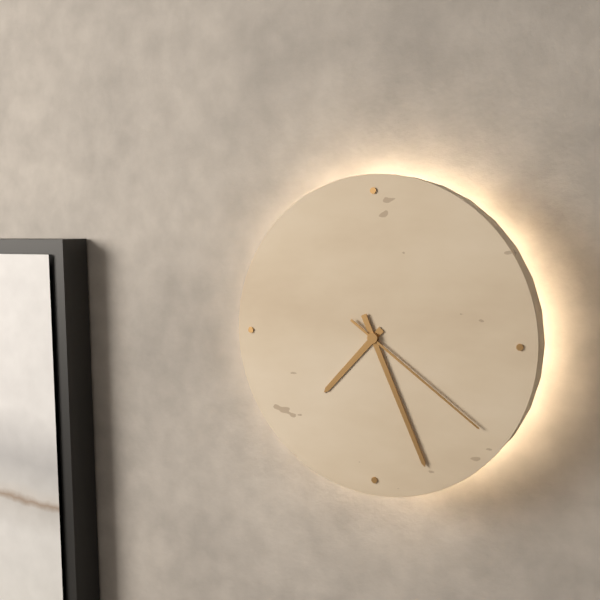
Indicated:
7:26:21
